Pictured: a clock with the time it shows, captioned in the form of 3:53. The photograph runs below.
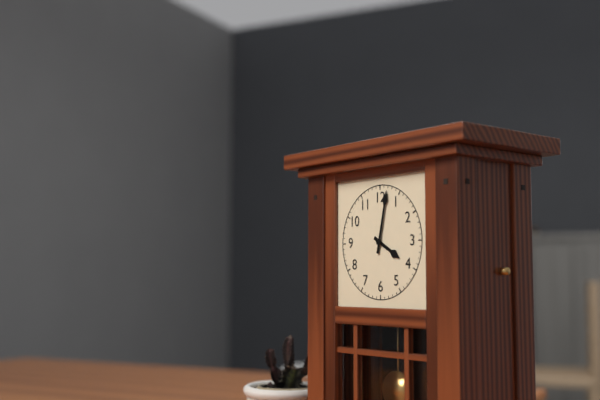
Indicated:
4:02
